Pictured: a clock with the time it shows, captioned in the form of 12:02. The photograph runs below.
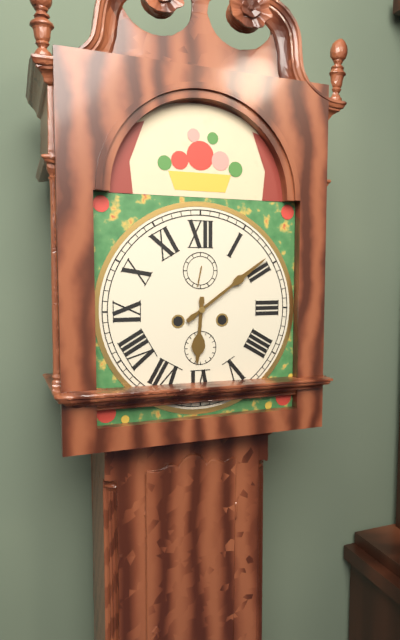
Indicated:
6:09
